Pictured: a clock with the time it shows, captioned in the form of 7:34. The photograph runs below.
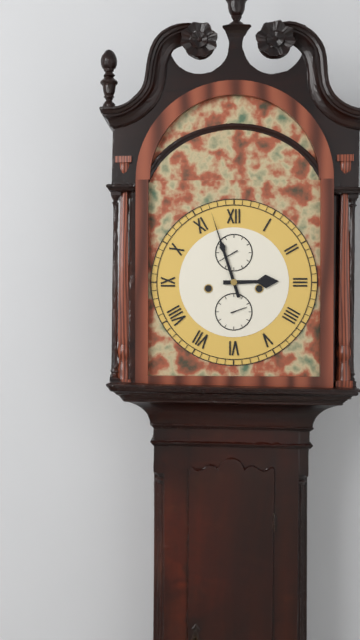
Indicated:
2:57
